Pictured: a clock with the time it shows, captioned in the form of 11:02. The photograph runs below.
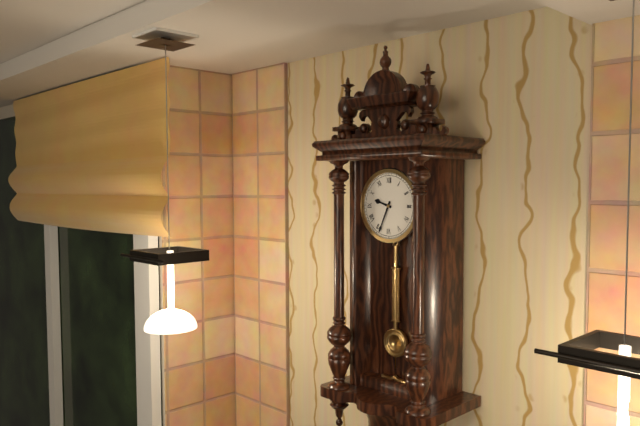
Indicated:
9:34
